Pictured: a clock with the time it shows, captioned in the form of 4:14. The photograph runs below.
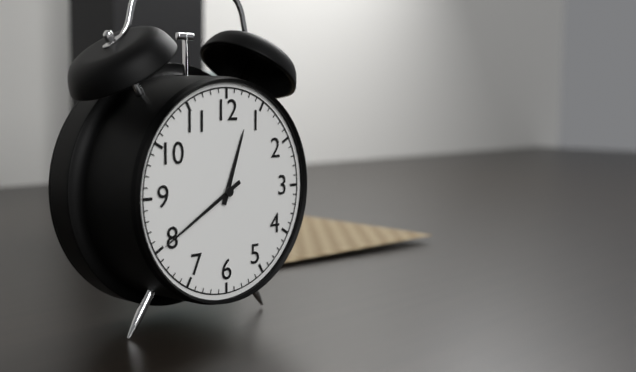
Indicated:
12:40
